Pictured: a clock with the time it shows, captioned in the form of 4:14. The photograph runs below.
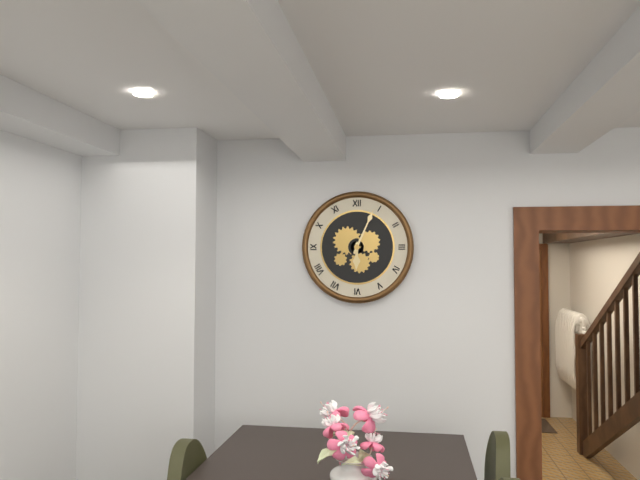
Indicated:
6:04
